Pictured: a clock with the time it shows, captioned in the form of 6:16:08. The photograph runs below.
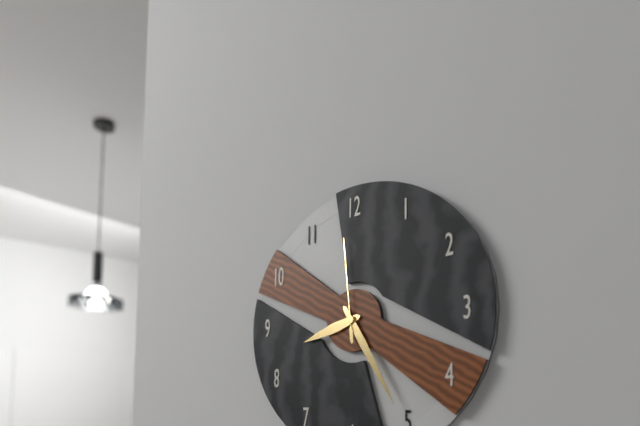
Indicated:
8:25:59
